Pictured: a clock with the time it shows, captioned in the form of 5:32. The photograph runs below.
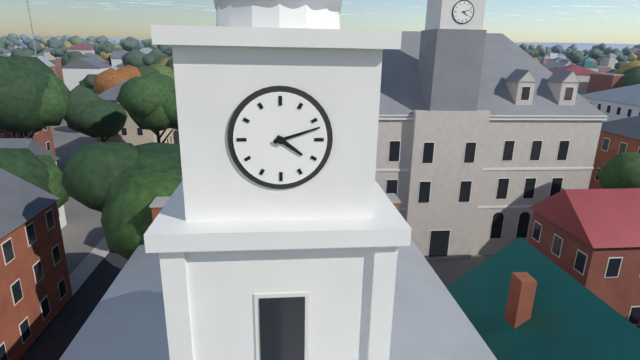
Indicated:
4:12
